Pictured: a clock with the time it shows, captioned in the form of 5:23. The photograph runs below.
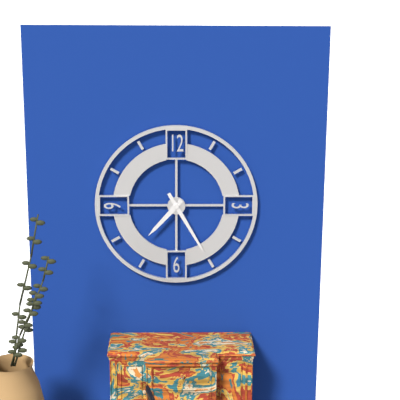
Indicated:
7:25
